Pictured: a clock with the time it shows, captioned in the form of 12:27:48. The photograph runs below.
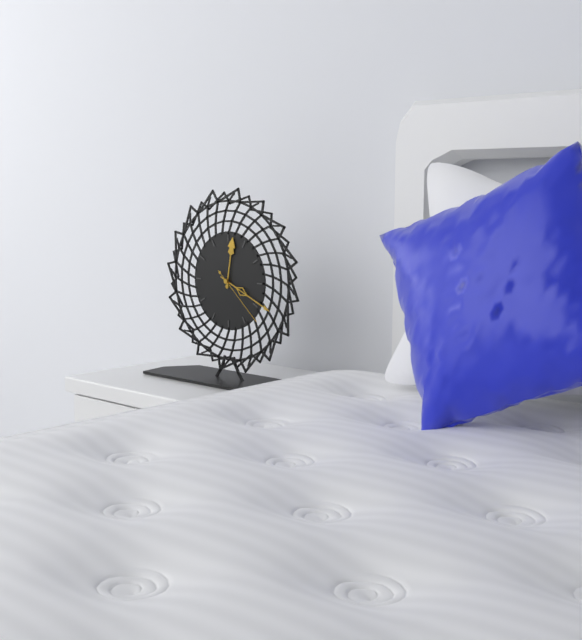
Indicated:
12:19:22
